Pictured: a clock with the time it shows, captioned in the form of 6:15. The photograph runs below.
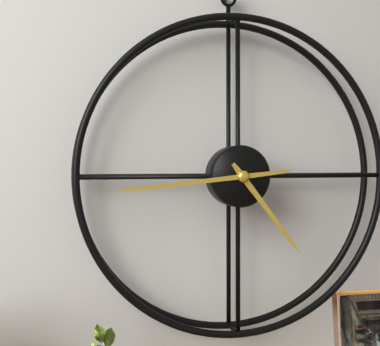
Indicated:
4:44
